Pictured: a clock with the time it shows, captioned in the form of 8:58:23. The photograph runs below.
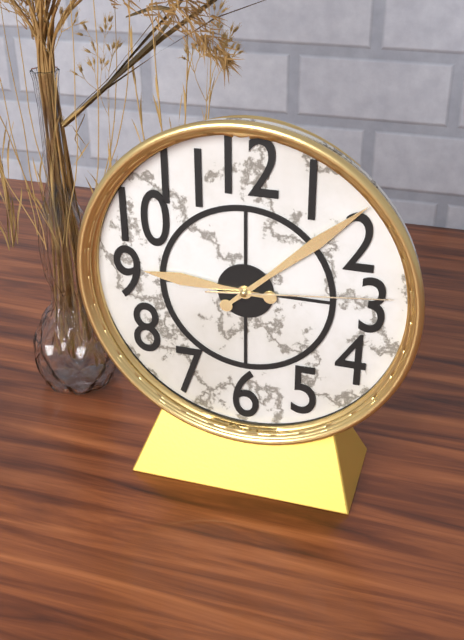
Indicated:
9:08:14
